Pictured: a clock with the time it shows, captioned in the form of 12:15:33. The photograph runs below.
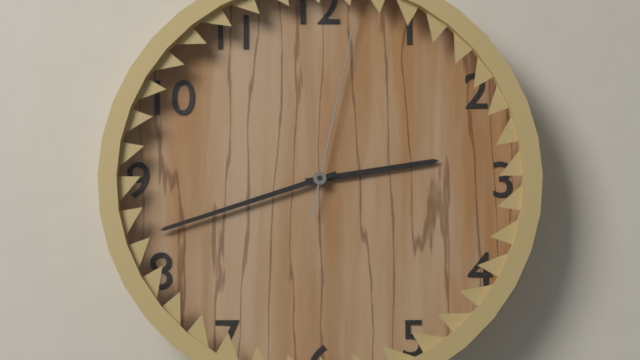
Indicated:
2:42:02
